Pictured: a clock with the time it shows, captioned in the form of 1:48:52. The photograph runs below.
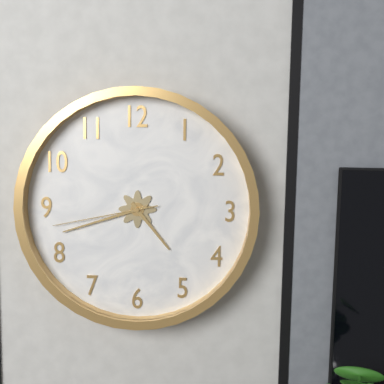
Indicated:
4:42:43
